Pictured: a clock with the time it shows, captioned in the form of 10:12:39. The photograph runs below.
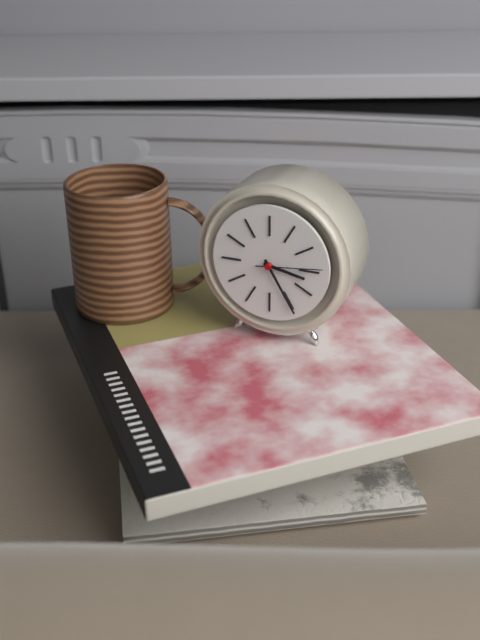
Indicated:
3:25:14
